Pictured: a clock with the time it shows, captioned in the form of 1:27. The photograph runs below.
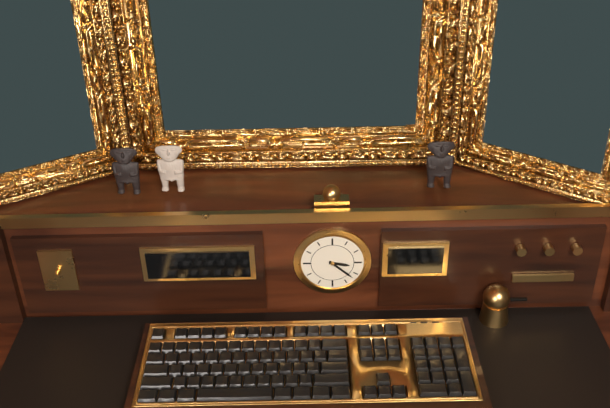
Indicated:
3:22
